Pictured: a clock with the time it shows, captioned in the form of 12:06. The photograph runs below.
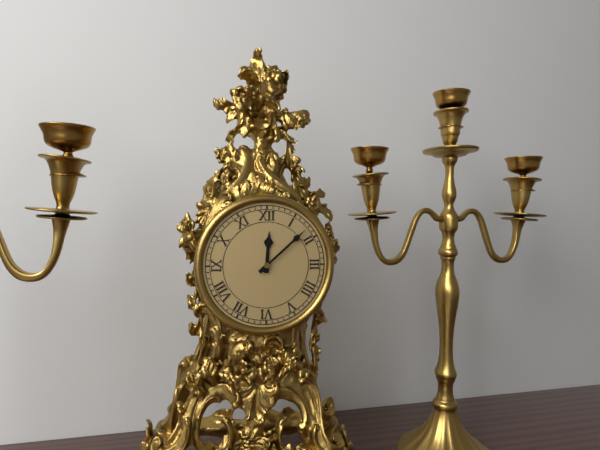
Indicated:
12:08
